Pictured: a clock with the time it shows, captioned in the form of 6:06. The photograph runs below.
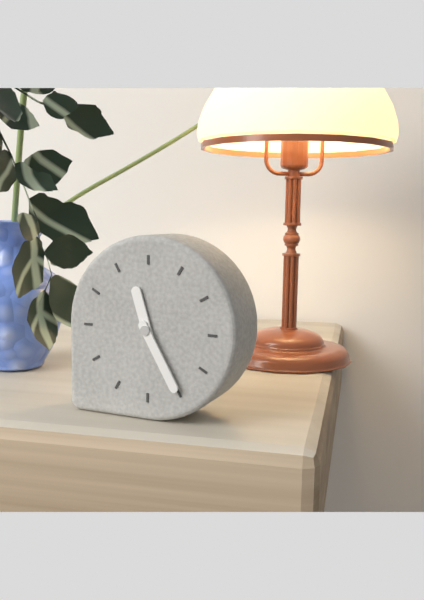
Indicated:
11:25
